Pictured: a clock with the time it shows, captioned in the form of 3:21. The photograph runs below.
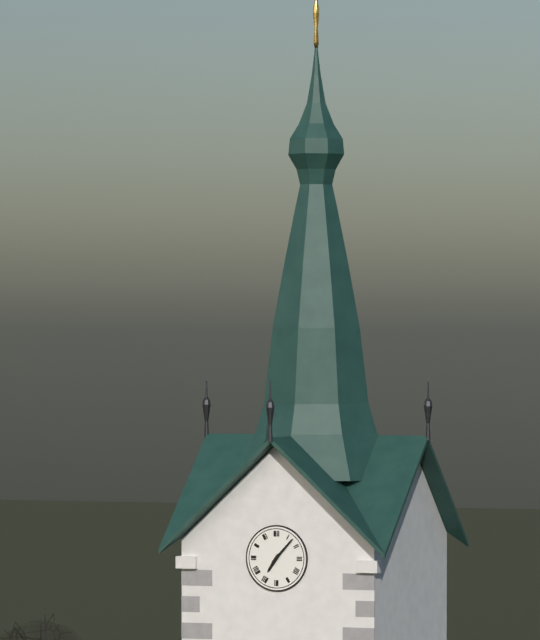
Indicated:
7:07
